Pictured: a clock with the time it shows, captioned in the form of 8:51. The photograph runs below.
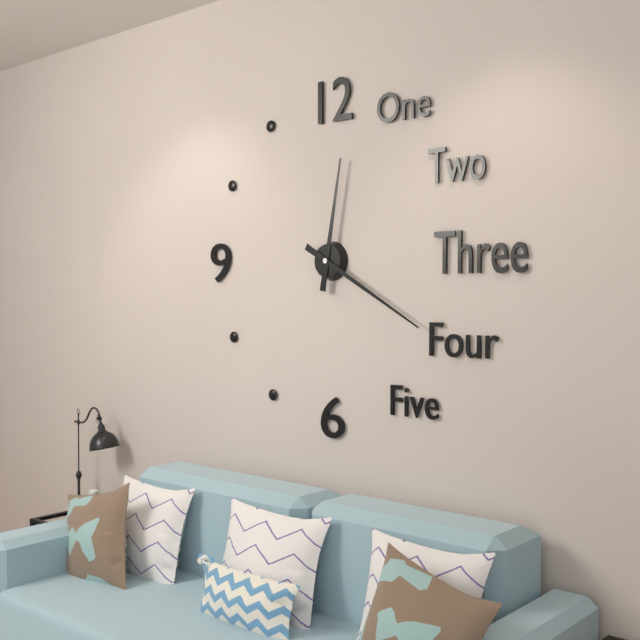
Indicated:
12:20
